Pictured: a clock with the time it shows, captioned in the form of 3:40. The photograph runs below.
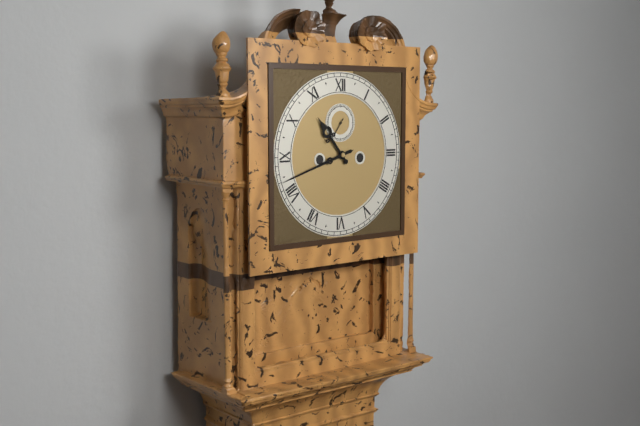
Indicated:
10:42
